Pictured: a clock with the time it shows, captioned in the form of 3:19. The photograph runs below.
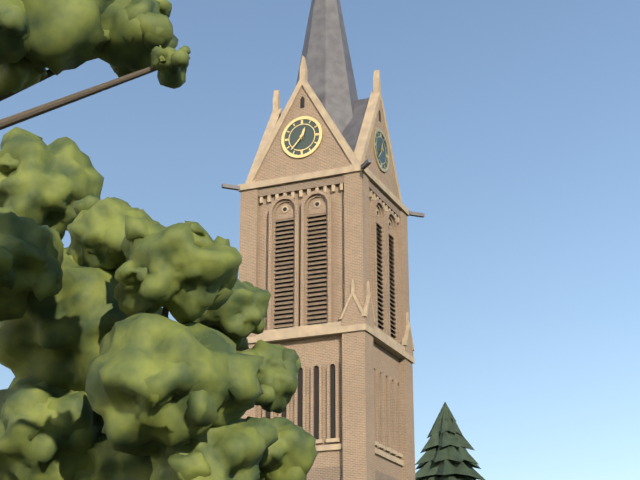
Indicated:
12:37
